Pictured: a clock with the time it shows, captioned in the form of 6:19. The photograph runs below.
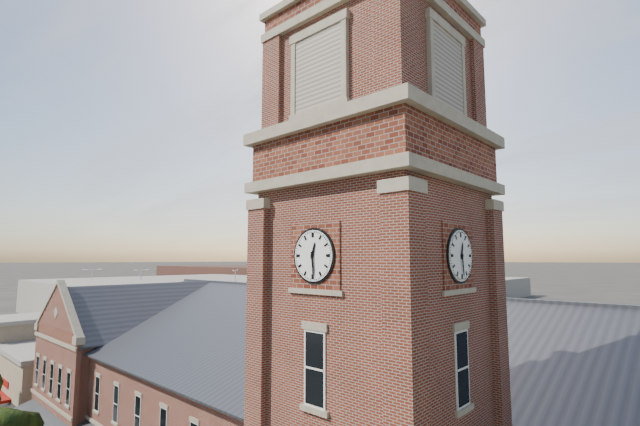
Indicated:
12:29
